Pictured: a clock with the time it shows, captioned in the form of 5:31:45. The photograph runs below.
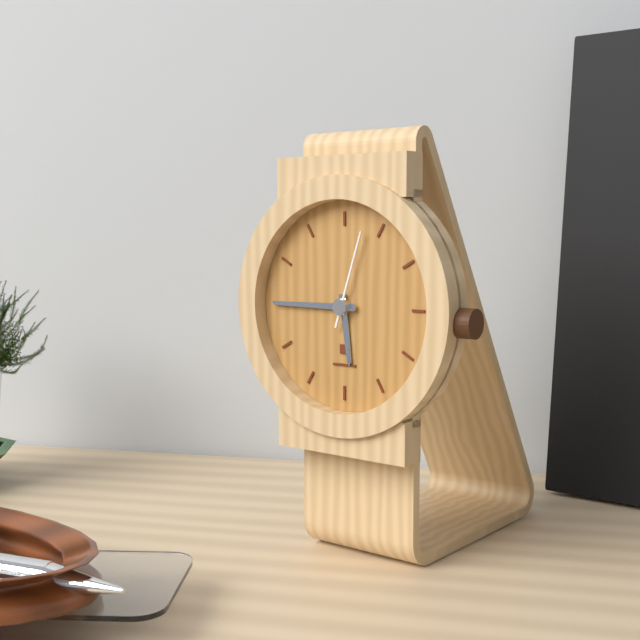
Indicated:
5:45:03
